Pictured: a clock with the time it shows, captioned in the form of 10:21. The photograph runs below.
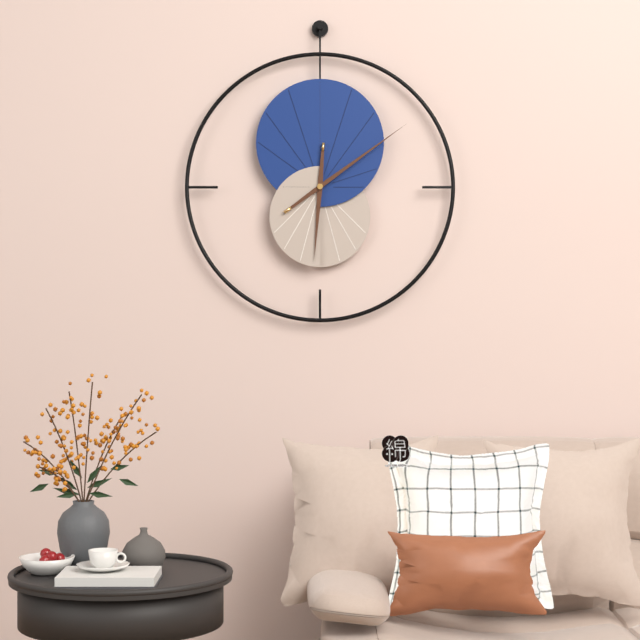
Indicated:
6:09
